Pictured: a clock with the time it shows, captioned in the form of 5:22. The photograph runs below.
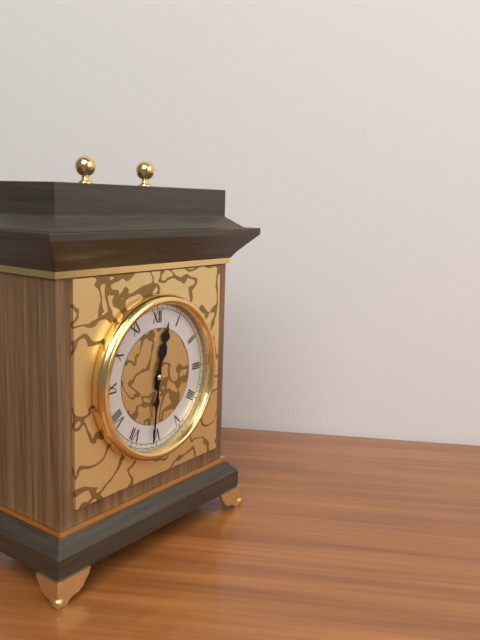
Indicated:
12:31
